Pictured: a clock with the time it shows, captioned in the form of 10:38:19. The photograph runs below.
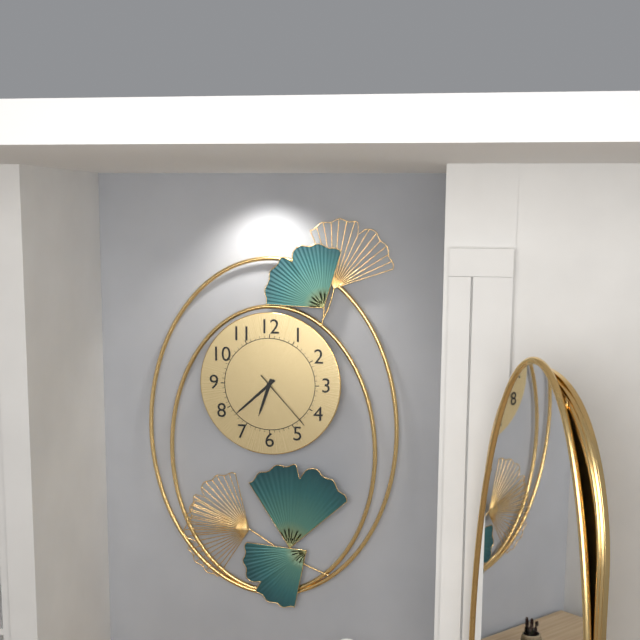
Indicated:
6:38:23
